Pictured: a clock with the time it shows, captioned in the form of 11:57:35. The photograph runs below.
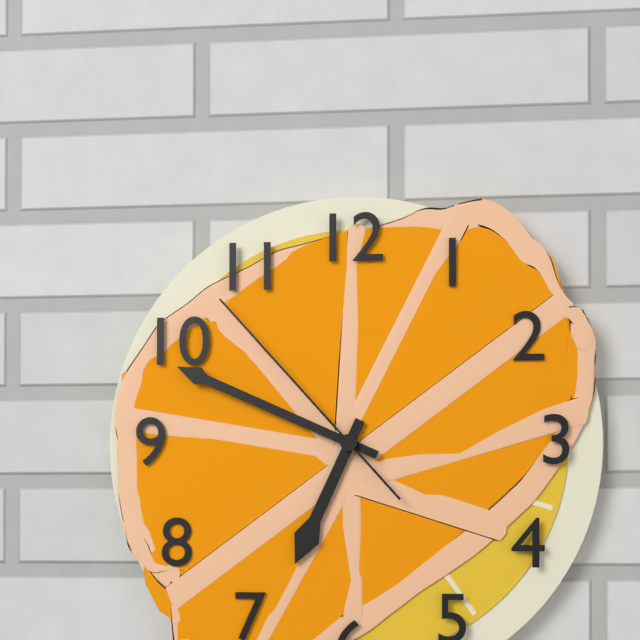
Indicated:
6:49:53
